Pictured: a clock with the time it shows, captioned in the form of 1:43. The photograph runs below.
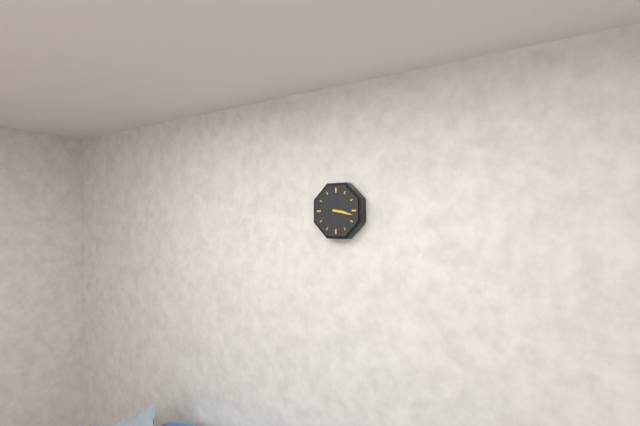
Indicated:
3:17
